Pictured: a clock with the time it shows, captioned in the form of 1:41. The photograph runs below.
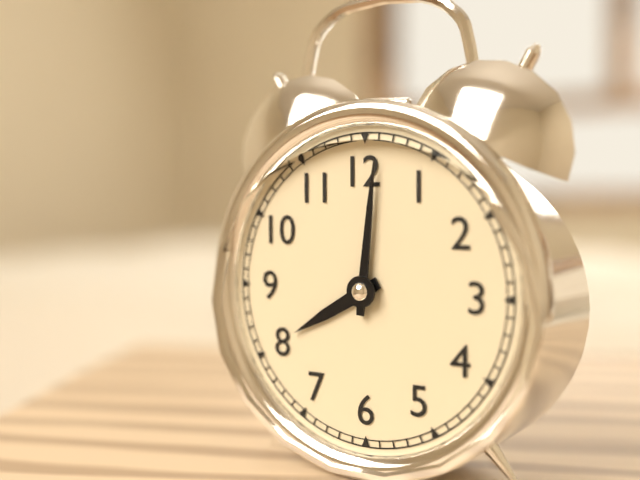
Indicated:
8:01
